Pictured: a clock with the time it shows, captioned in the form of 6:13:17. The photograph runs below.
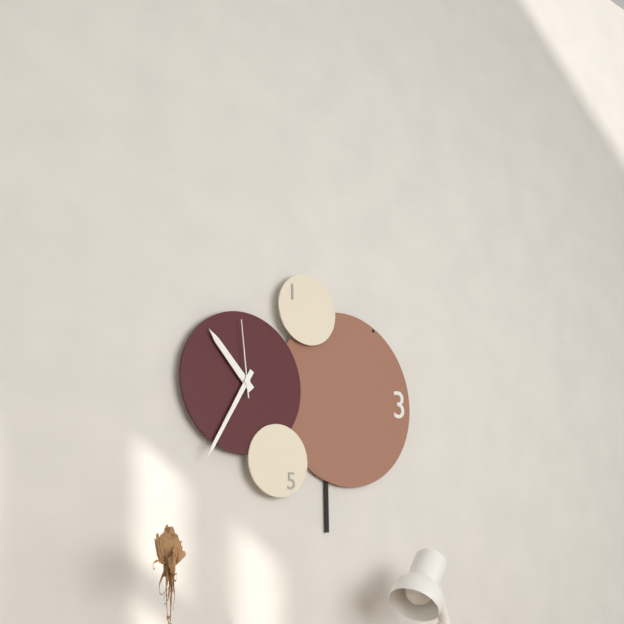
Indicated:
10:35:59
